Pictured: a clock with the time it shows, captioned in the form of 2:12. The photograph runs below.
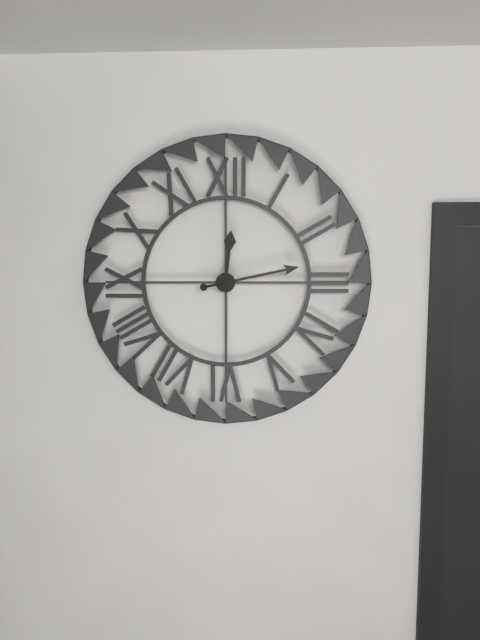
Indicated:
12:13
